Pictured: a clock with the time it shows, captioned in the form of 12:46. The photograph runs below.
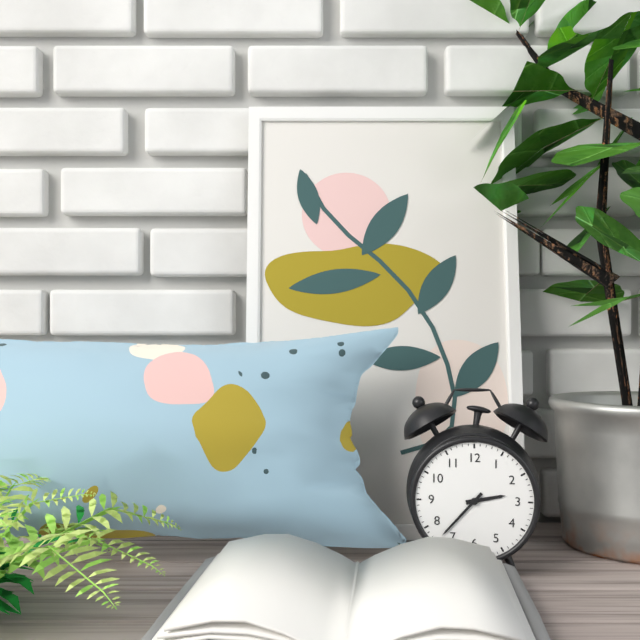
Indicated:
2:37
